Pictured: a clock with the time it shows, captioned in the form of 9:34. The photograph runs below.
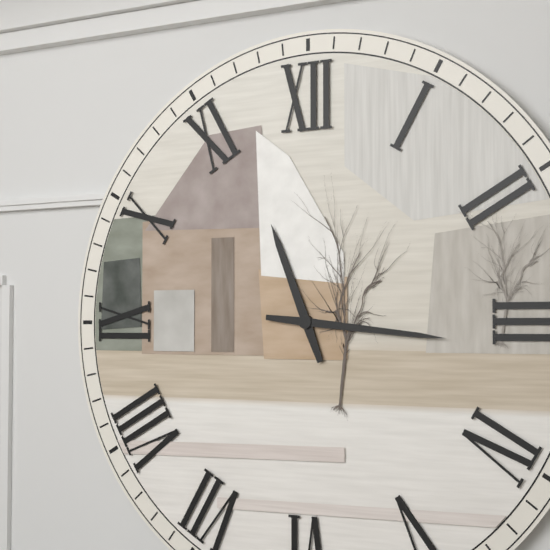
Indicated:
11:16
